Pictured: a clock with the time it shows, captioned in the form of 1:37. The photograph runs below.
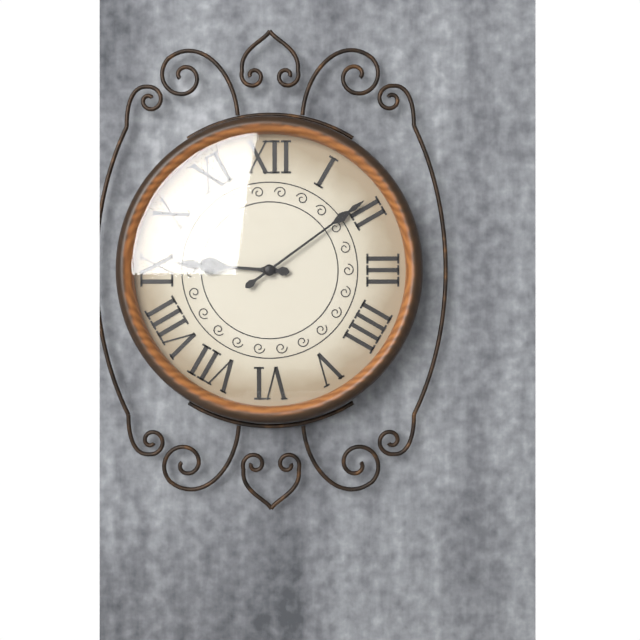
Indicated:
9:09
